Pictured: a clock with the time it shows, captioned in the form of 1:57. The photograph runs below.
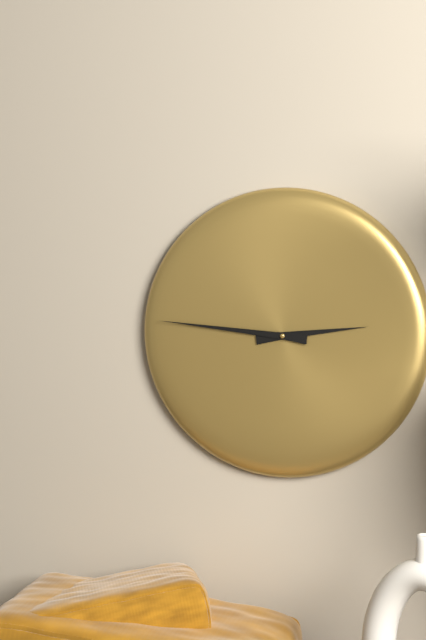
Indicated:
2:46
